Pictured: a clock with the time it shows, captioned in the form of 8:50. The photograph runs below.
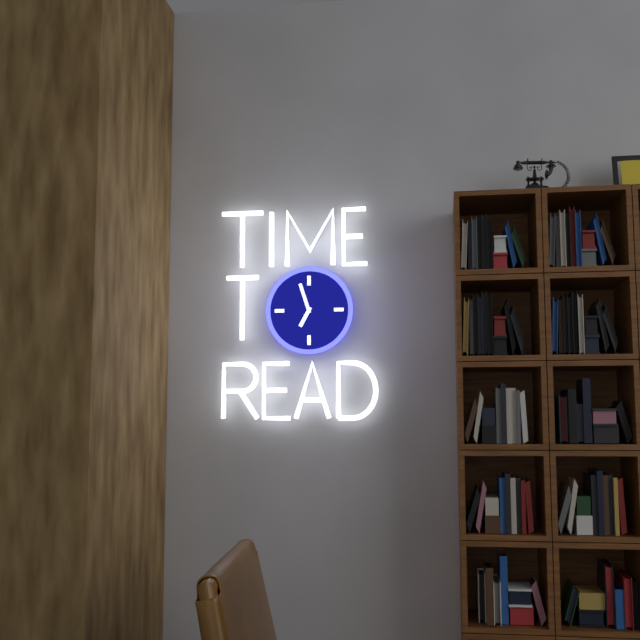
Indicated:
6:57
